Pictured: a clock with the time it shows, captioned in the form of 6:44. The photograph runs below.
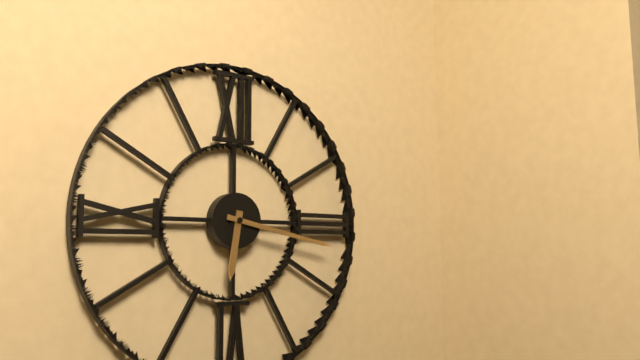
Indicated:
6:17
